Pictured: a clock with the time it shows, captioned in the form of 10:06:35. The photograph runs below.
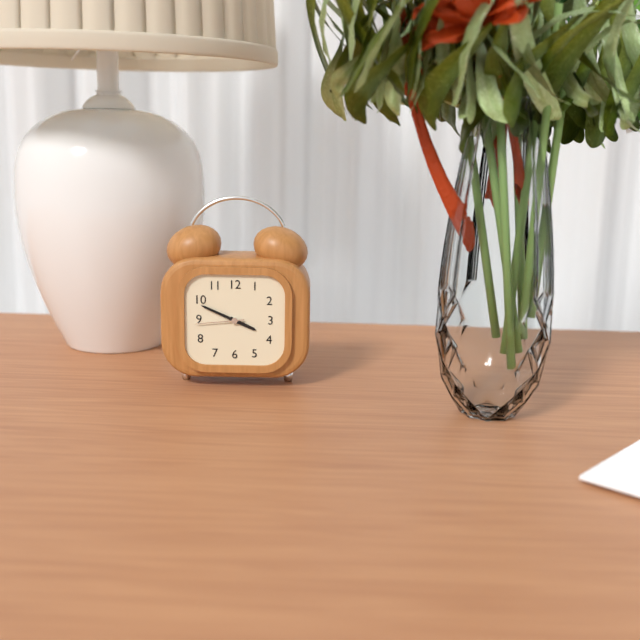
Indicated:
3:49:44
